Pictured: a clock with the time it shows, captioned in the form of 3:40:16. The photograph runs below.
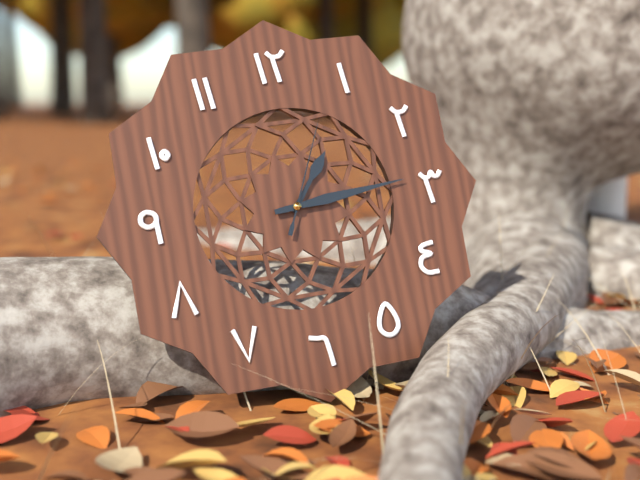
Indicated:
1:14:04
